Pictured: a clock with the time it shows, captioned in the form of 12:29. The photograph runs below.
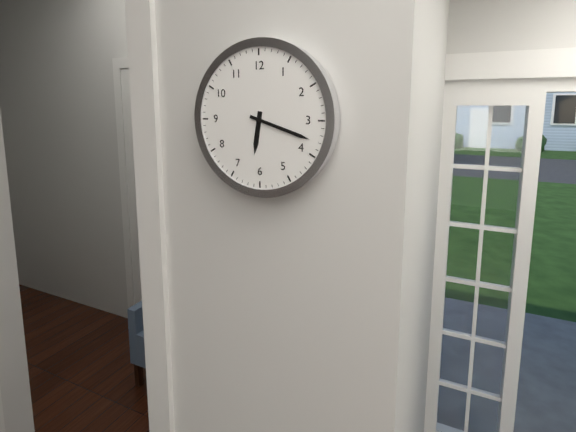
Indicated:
6:18
